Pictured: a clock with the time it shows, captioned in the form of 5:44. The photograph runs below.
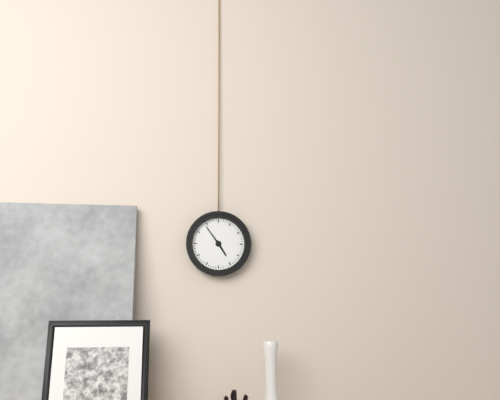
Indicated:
4:54
